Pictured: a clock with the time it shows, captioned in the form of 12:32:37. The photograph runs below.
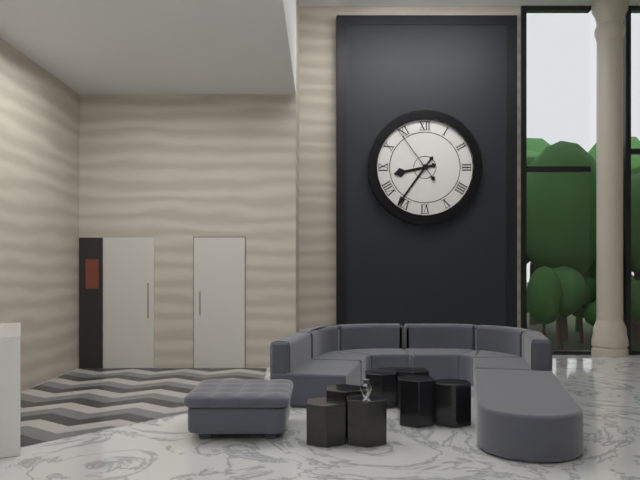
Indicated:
8:36:54
